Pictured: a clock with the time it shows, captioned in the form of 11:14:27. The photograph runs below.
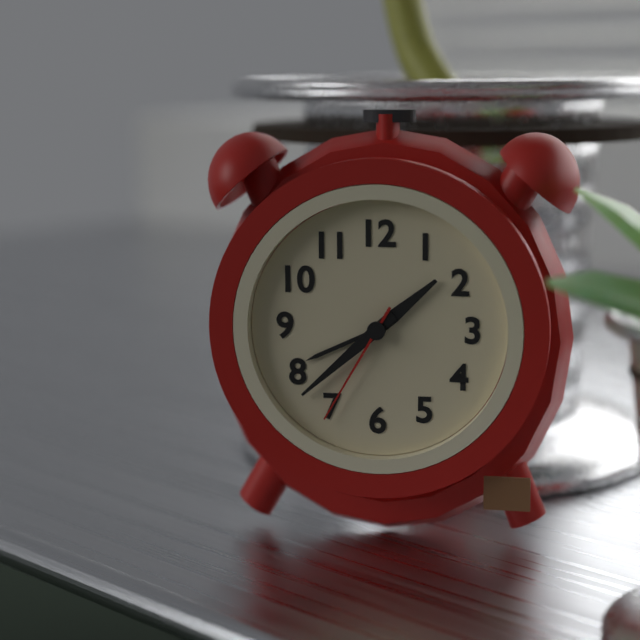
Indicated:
1:38:35
